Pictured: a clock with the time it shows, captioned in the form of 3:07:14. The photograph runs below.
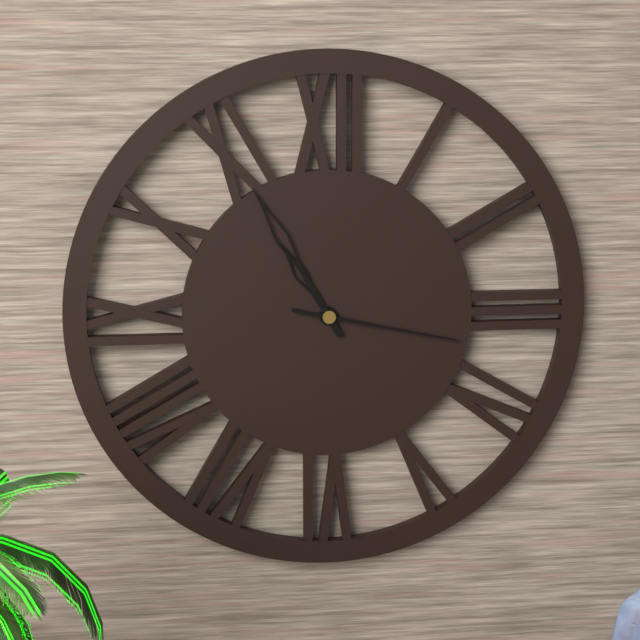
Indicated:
10:55:17
